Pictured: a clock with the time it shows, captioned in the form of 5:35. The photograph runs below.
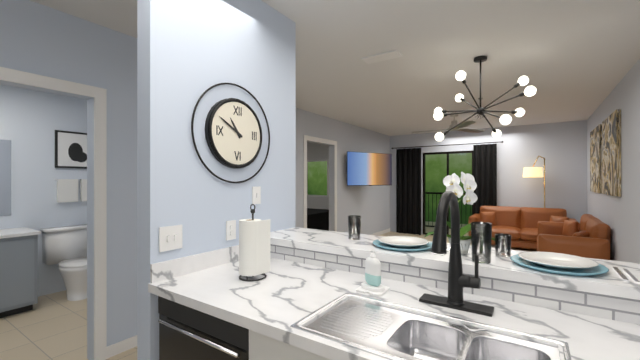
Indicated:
10:50
